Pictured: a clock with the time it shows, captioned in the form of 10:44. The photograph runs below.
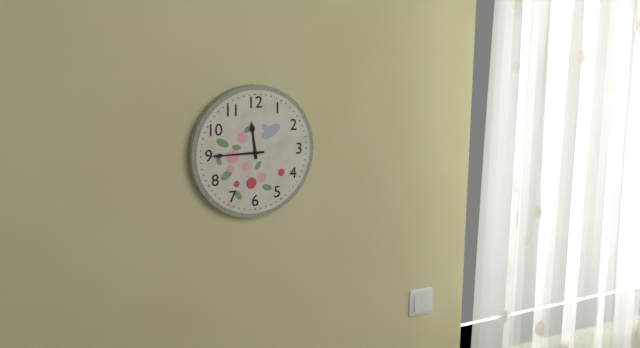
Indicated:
11:45
